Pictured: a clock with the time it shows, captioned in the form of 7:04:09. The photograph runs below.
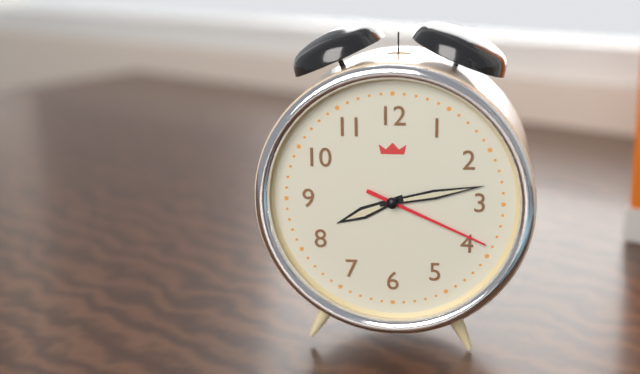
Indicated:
8:13:19
